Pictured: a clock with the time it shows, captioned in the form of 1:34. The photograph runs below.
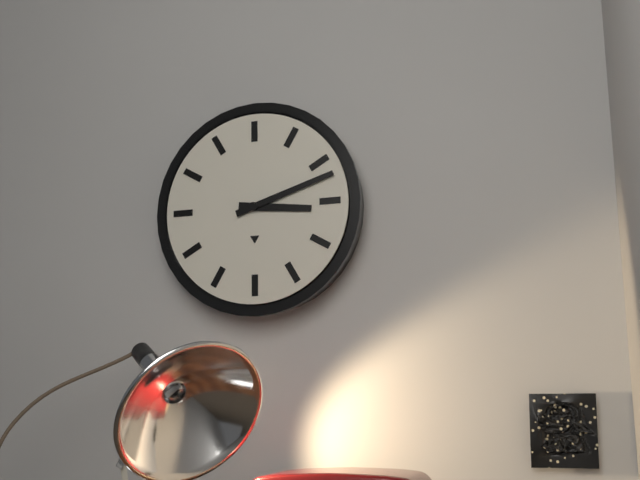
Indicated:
3:12
